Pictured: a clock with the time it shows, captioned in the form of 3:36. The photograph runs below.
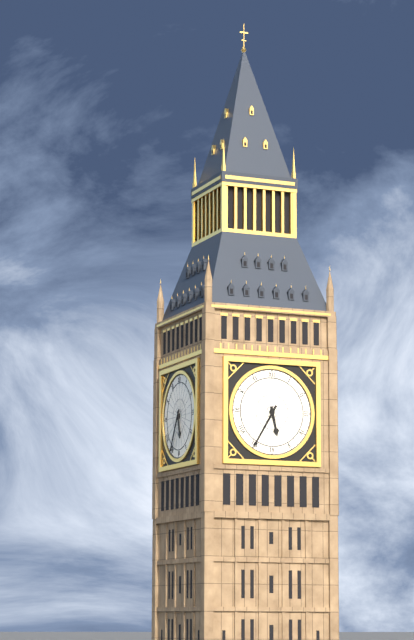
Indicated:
5:35
